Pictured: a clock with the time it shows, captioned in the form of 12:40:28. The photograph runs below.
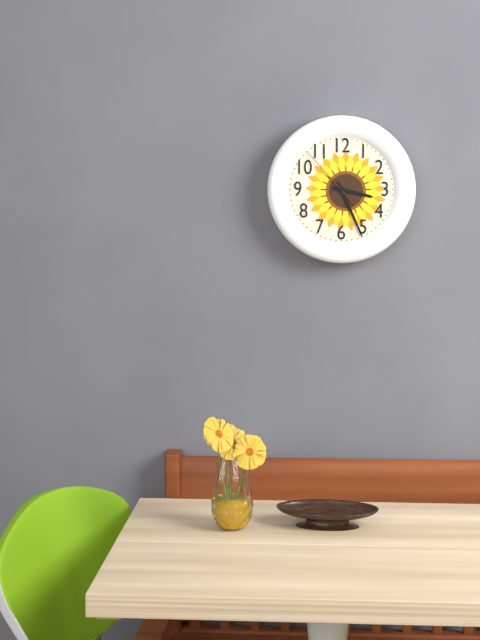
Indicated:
3:26:53
